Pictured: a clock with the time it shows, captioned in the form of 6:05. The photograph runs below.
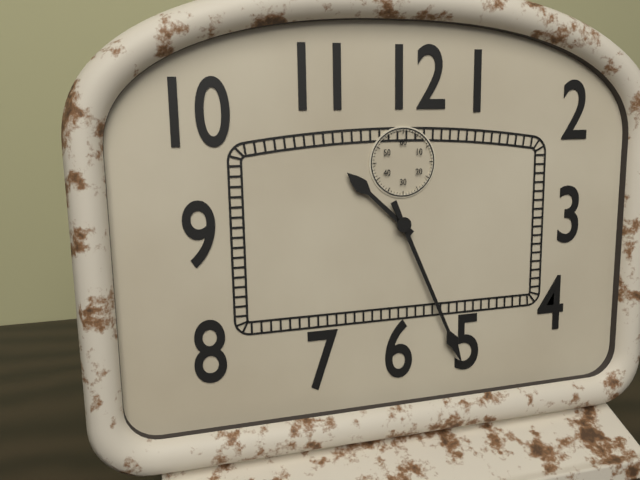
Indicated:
10:26
